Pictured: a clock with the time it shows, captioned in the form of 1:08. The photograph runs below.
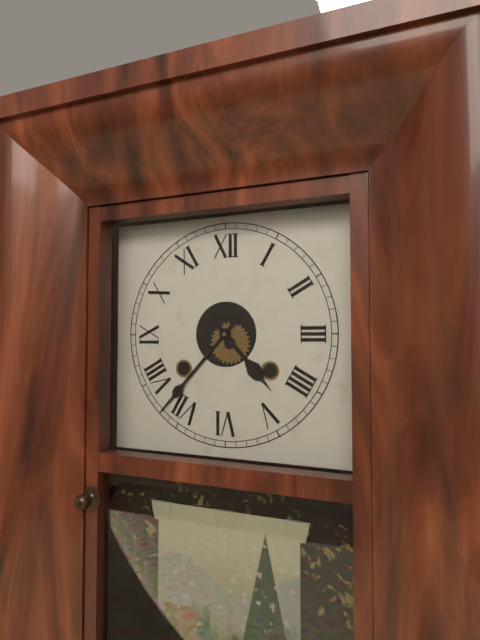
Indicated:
4:37
